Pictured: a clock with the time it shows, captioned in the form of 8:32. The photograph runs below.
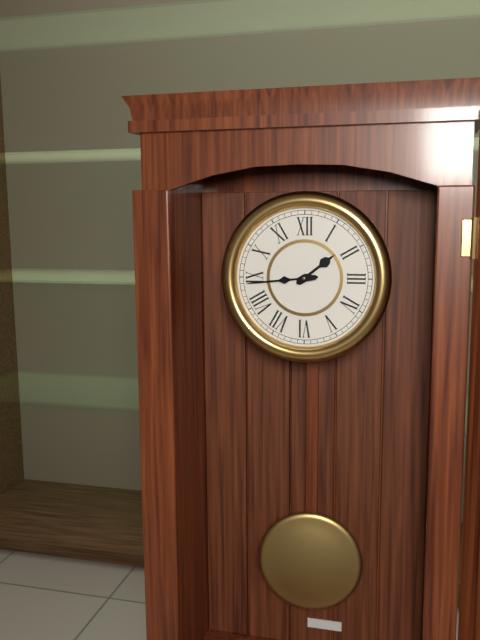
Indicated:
1:44
